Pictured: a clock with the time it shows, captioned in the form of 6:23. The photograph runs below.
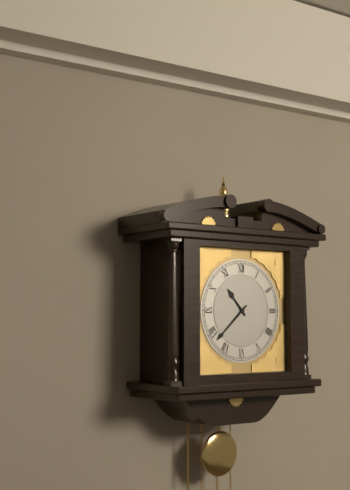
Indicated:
10:38
